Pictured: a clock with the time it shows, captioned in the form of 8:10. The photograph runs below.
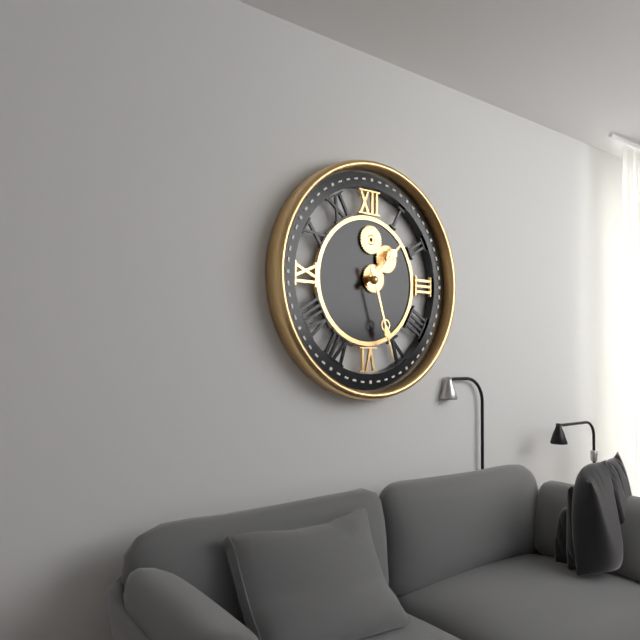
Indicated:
1:27
